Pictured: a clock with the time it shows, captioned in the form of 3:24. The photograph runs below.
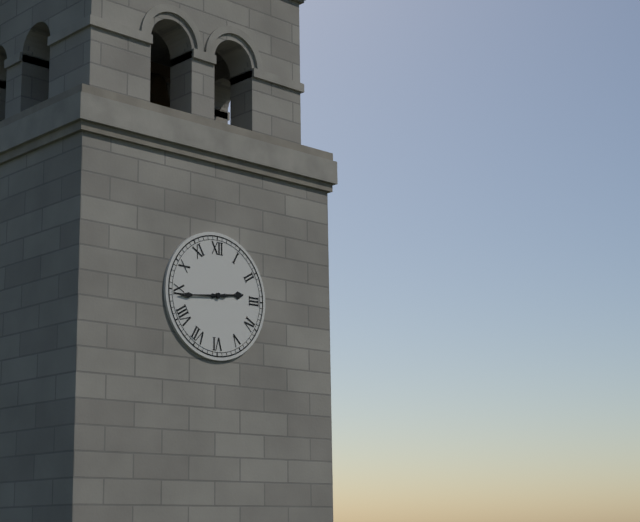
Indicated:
2:44
